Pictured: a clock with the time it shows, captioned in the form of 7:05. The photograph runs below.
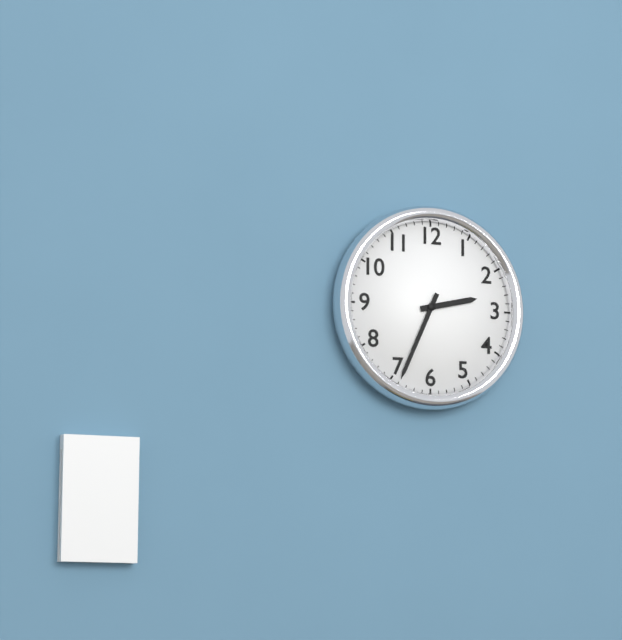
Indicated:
2:34
